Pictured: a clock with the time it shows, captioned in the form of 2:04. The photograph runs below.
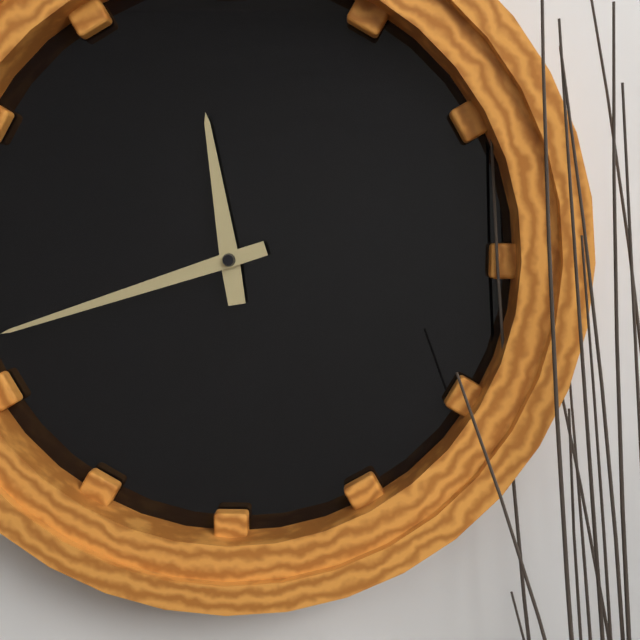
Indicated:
11:42
